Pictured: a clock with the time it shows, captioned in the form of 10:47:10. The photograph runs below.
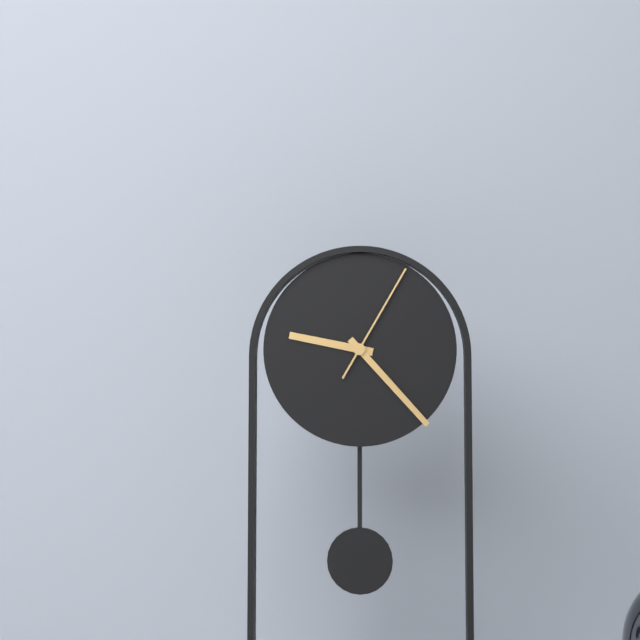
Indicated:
9:23:05
